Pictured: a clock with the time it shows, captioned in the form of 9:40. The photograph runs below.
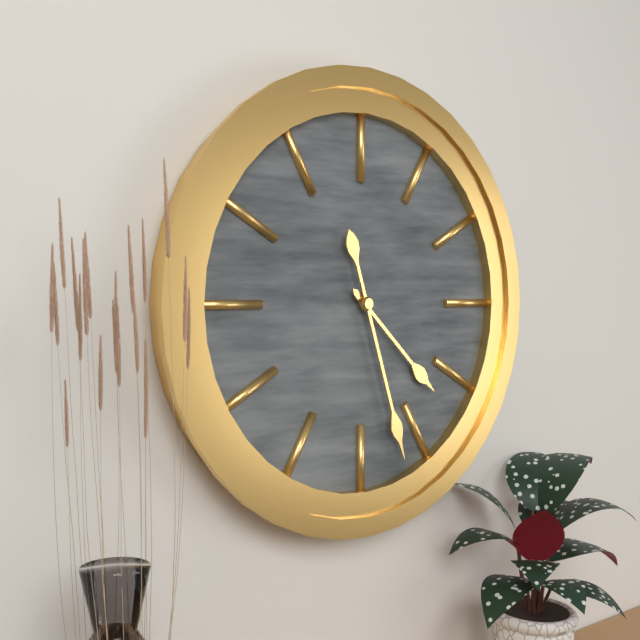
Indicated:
4:27
